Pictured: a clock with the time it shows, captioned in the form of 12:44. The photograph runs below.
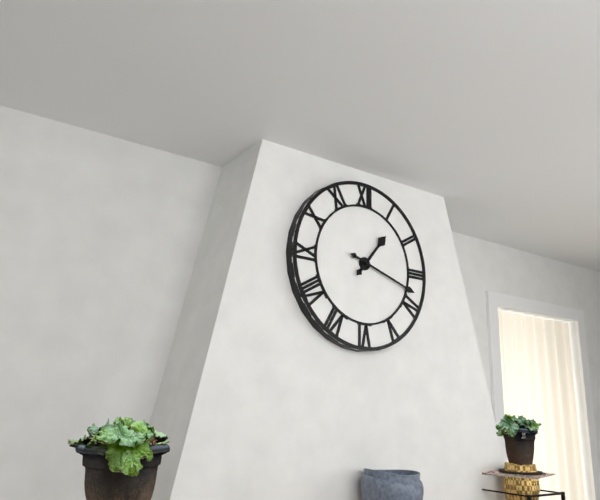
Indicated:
1:18
